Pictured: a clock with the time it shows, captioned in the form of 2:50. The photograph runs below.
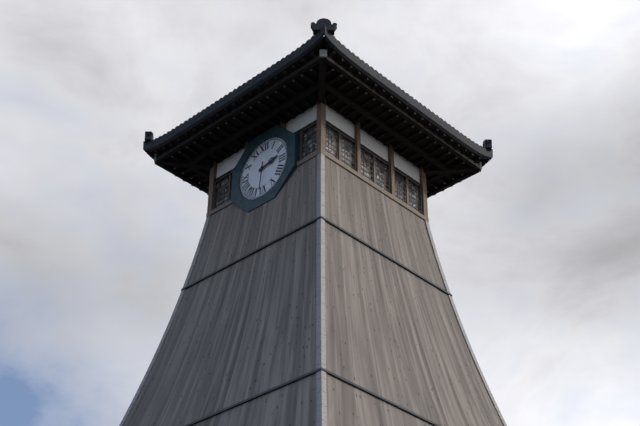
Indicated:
2:31
